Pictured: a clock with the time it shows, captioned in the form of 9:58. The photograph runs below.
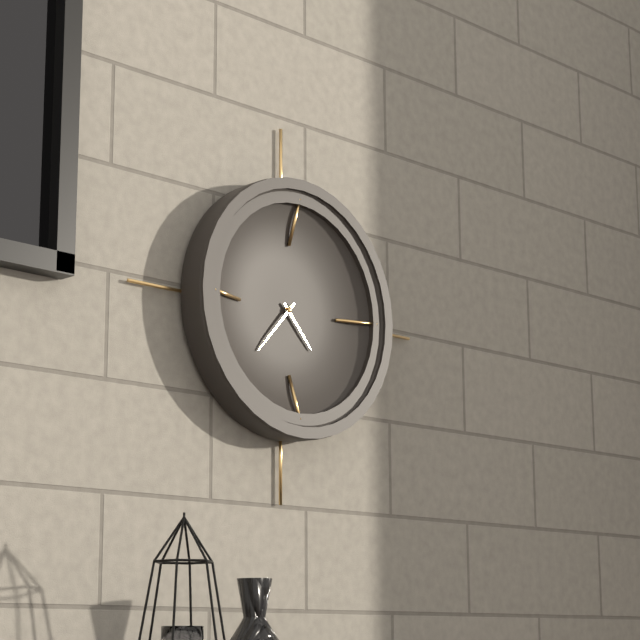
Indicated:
4:37
